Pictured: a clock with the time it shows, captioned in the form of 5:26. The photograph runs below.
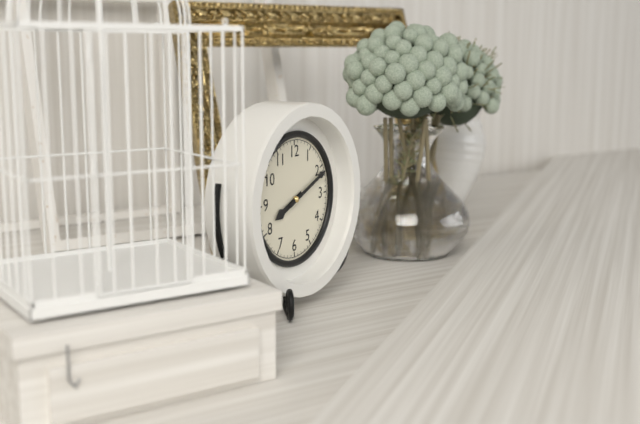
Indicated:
8:11
